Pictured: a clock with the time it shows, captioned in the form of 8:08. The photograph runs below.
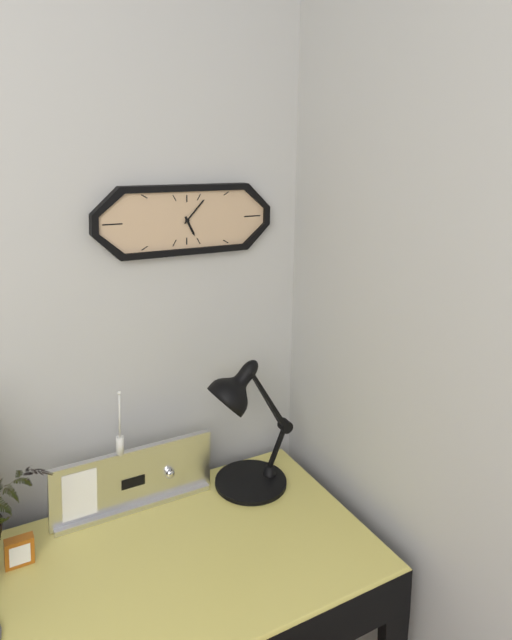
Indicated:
5:07
